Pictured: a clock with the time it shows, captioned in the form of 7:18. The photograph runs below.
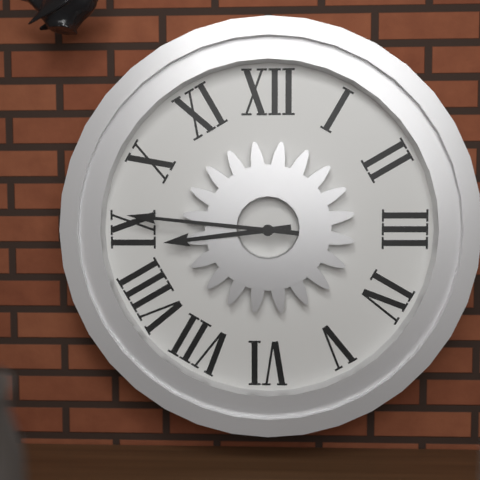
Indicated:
8:46
